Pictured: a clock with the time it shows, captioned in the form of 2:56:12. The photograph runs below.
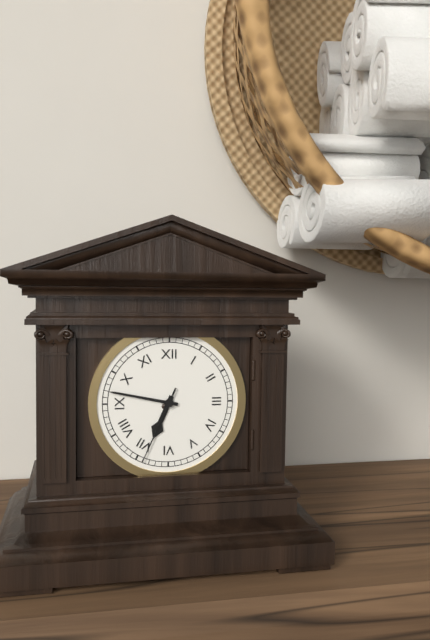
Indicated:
6:47:34
